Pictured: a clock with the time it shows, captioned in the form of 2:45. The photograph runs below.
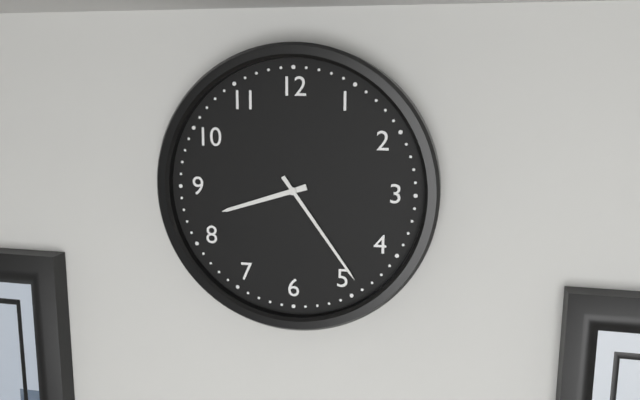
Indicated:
8:24
